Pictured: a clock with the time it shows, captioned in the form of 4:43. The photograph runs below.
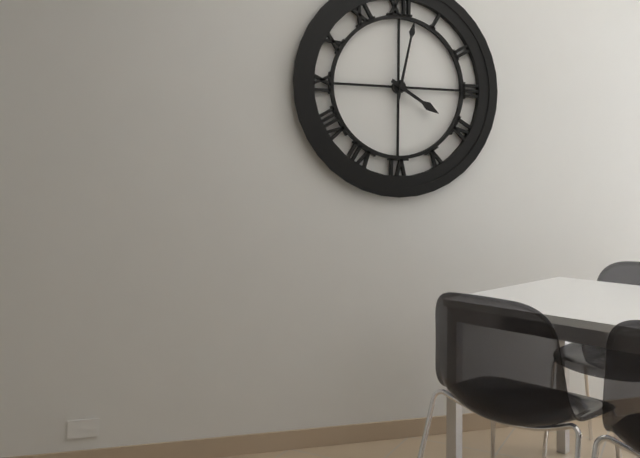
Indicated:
4:02
